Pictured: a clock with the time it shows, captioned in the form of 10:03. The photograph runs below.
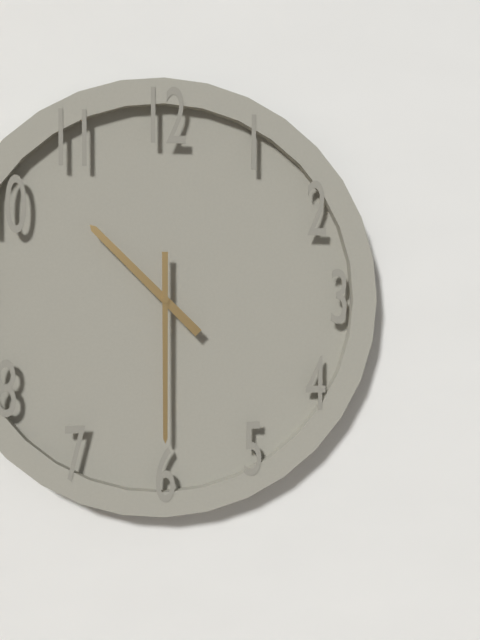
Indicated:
10:30
